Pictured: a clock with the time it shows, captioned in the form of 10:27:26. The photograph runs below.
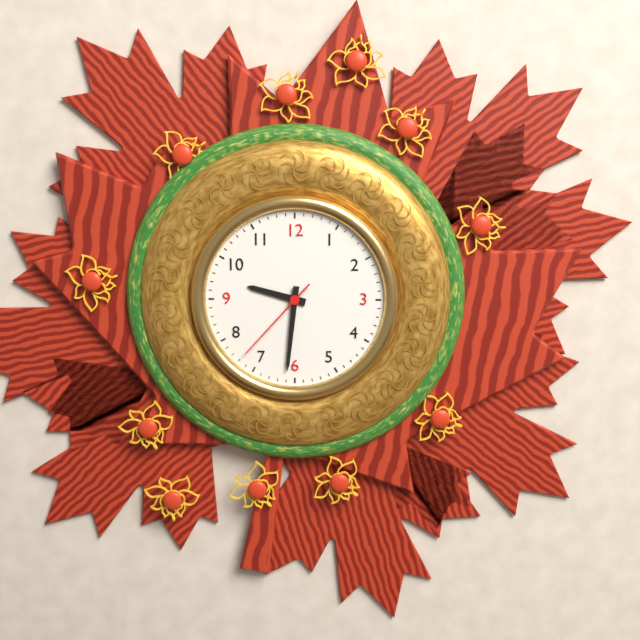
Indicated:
9:31:37
